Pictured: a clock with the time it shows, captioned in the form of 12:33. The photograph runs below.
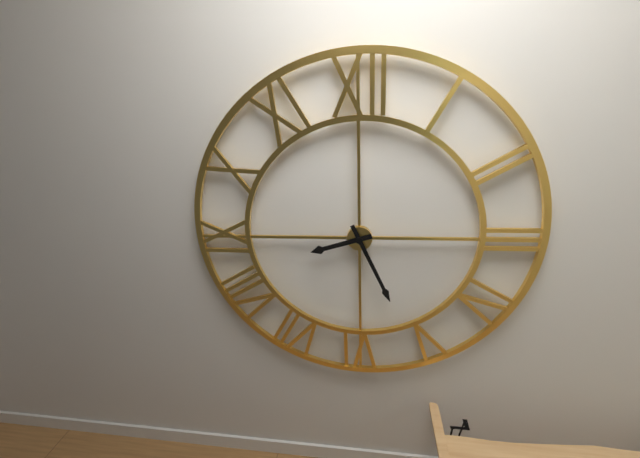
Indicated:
8:26
